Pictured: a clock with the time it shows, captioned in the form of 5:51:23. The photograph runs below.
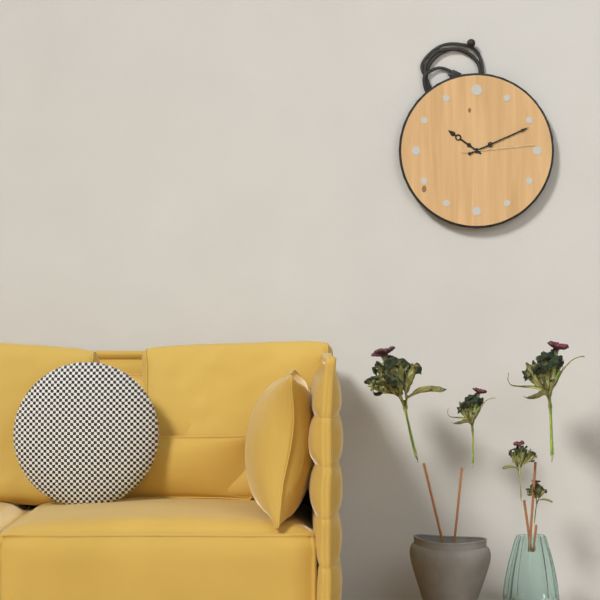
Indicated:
10:11:14
